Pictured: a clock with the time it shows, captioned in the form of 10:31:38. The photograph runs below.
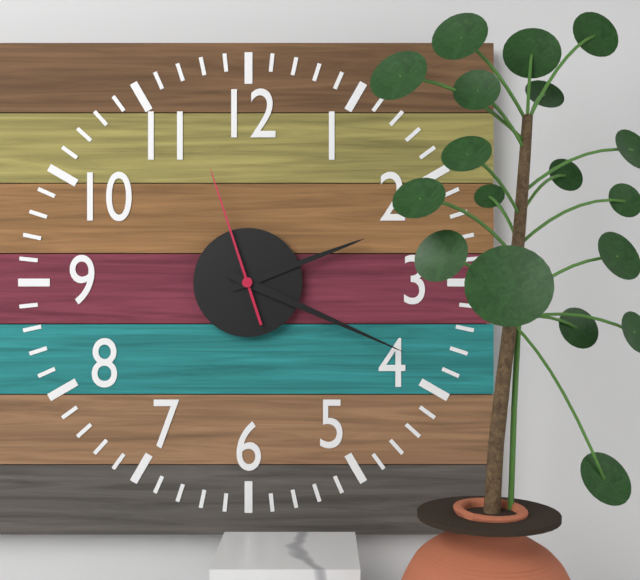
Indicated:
2:19:57
